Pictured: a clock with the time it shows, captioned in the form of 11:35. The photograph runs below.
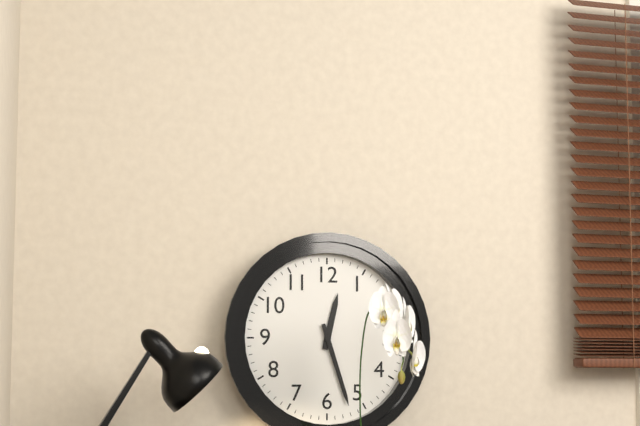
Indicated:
12:27
